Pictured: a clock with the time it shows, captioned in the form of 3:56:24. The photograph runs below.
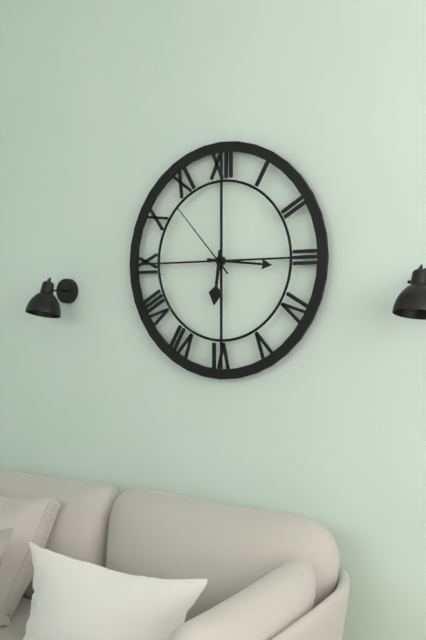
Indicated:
6:16:53
